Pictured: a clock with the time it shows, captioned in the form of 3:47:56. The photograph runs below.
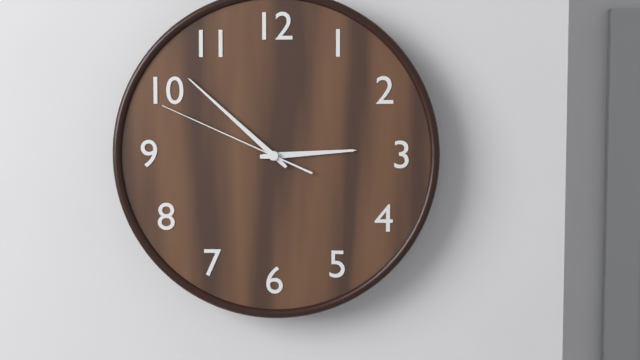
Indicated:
2:52:49
